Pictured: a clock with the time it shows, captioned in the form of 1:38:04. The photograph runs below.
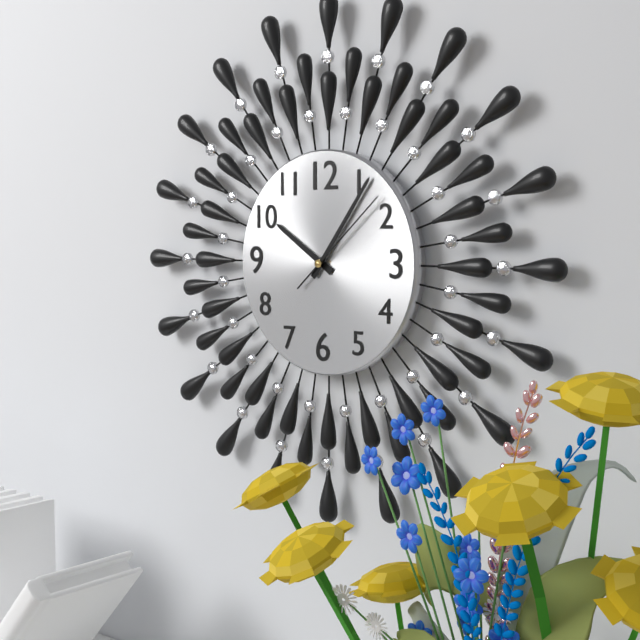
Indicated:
10:06:08
